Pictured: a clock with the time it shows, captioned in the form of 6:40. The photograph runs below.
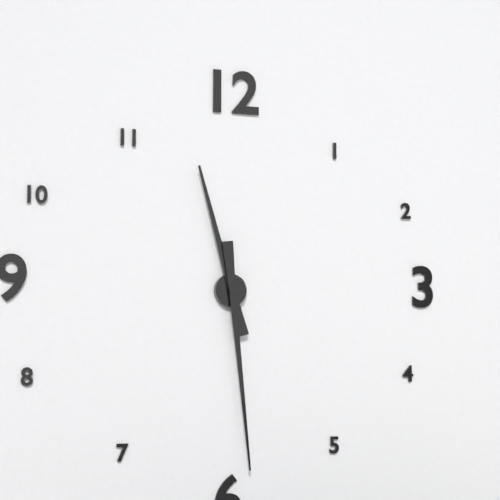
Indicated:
11:29
